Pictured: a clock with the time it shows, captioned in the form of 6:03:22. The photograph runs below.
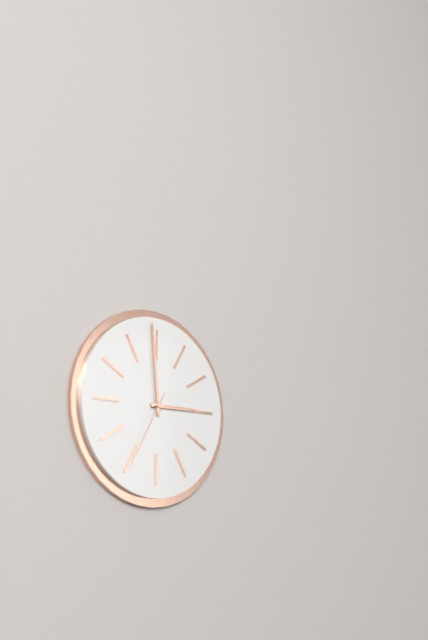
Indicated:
2:59:35
